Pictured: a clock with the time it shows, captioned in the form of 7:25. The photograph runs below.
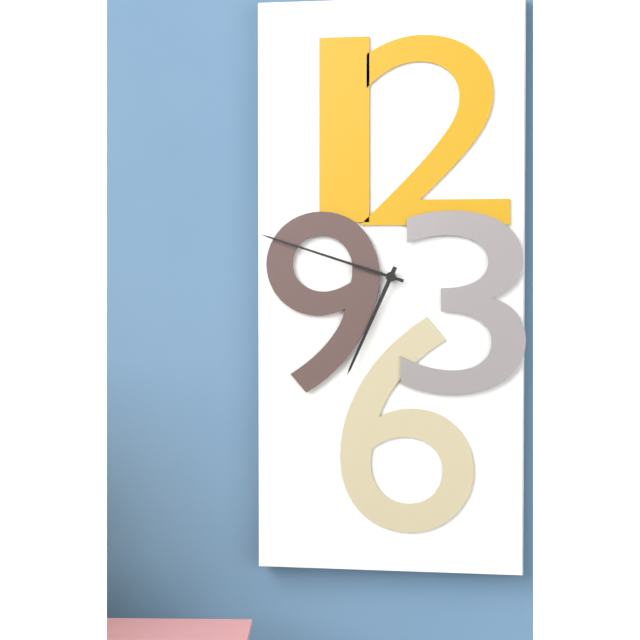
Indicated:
6:48
